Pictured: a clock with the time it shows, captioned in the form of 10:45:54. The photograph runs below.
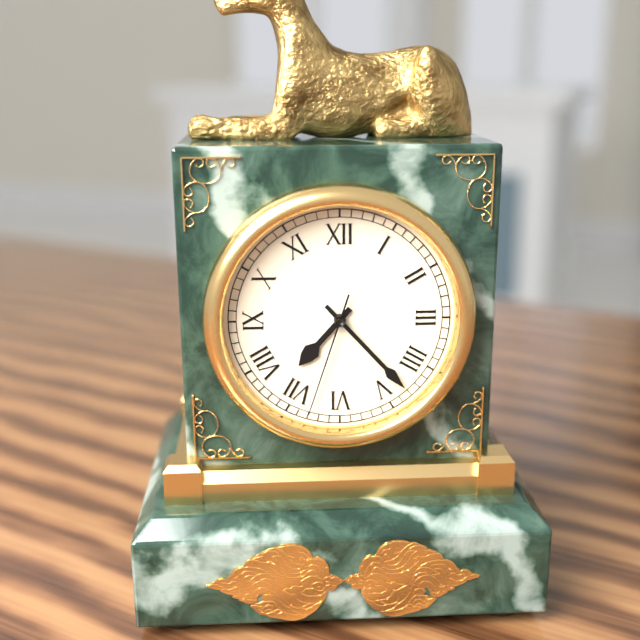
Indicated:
7:23:33
